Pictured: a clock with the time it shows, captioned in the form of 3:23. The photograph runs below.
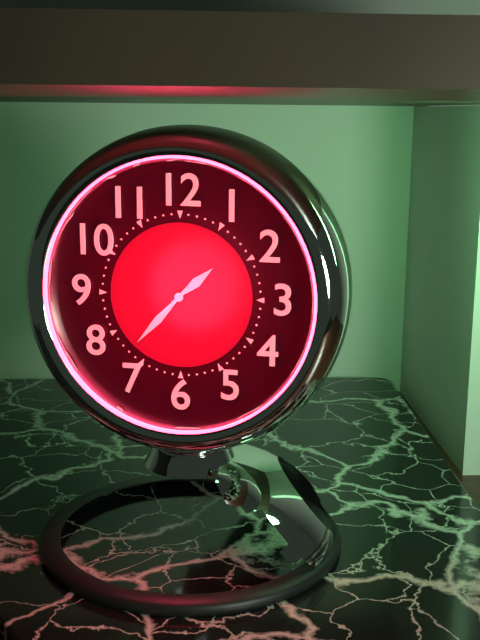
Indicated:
1:37
